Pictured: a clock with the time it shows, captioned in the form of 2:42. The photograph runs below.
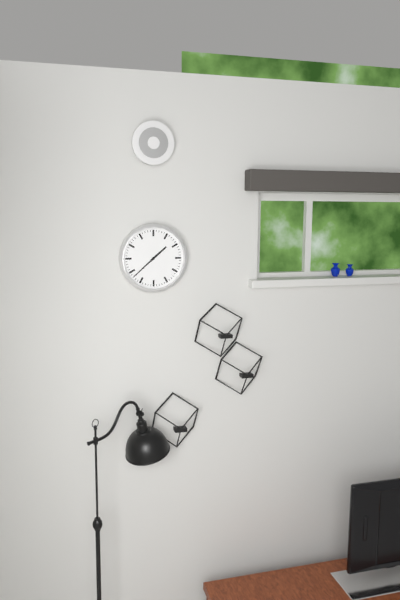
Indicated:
1:38
